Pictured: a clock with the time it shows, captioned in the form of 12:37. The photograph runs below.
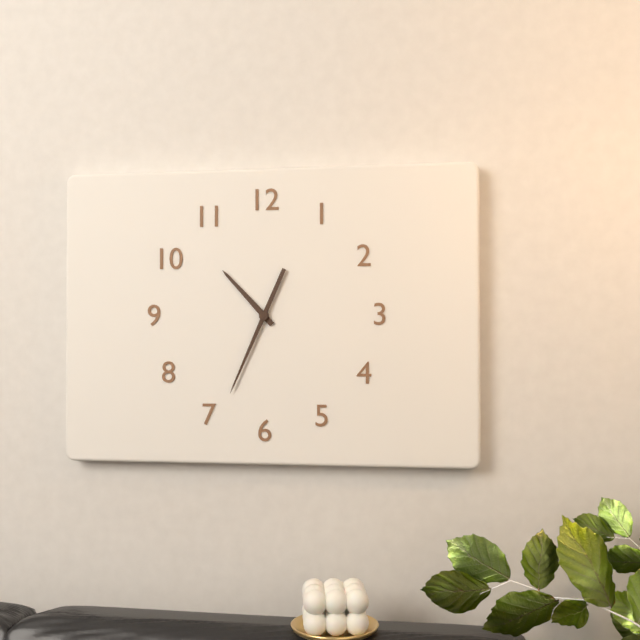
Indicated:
10:34
